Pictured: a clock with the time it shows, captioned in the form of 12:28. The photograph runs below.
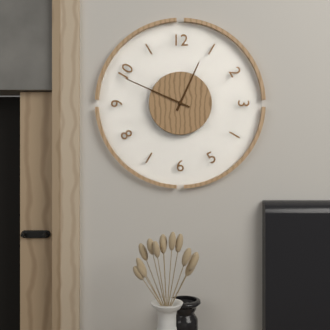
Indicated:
12:49
